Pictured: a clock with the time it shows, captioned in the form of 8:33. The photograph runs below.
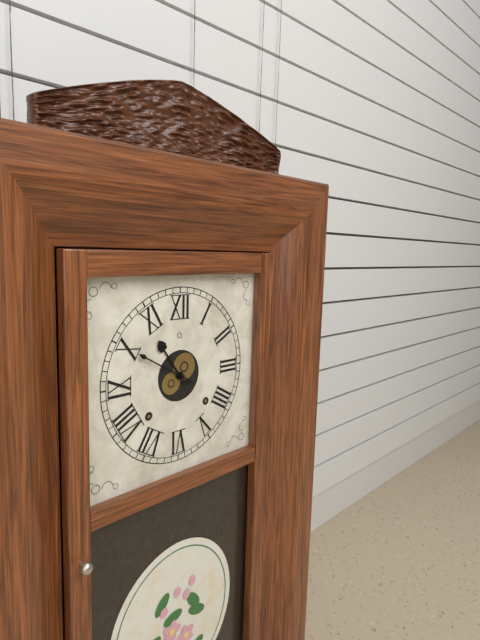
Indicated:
10:50
